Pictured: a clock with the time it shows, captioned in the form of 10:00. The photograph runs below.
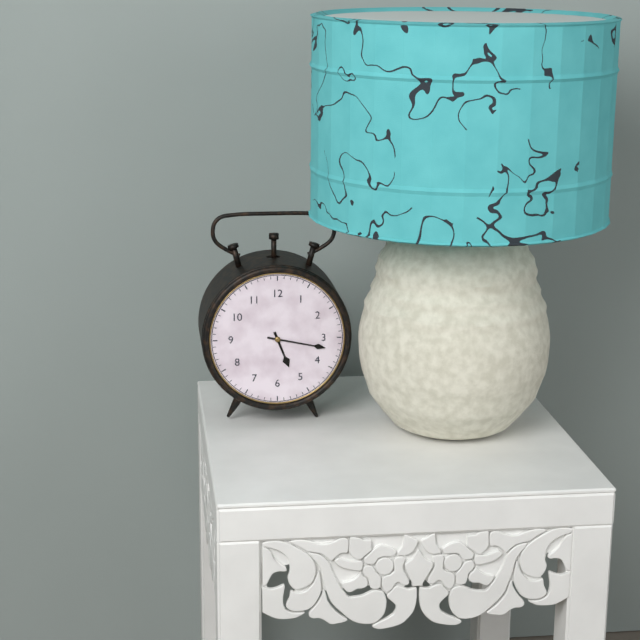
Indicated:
5:17
